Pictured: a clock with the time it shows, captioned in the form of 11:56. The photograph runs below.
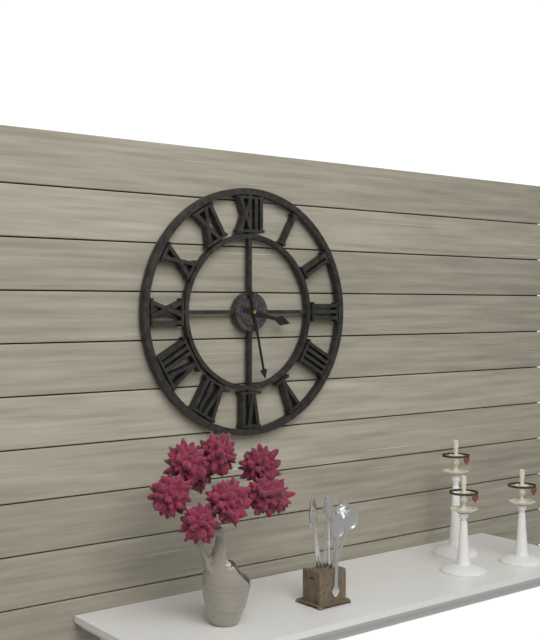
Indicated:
3:28
